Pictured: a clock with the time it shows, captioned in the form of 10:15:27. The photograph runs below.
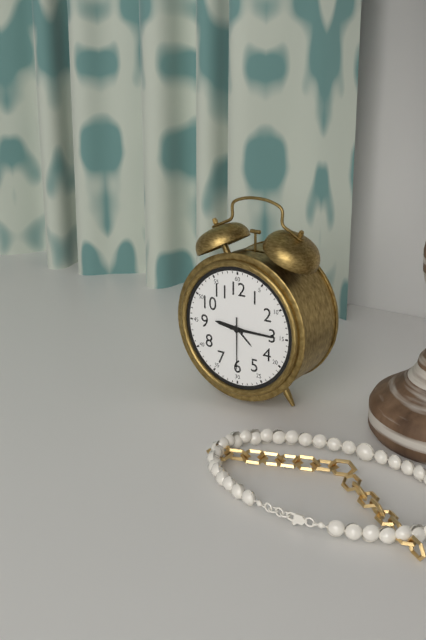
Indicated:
9:15:30
